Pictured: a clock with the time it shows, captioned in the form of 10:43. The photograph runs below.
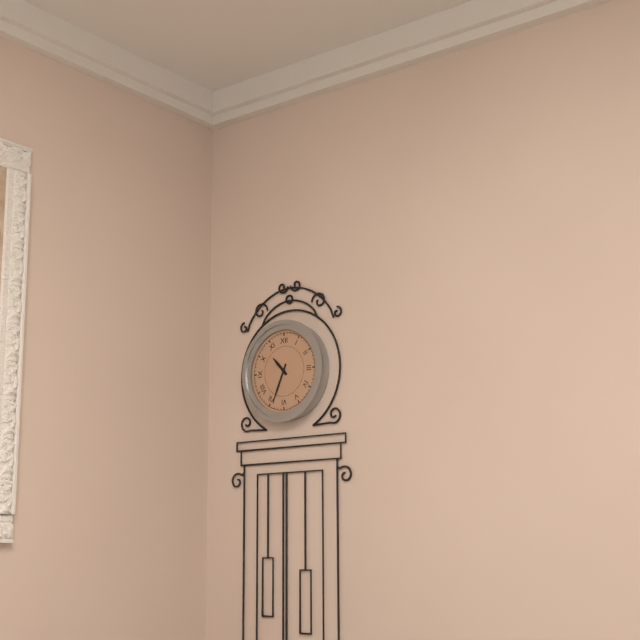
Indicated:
10:34
